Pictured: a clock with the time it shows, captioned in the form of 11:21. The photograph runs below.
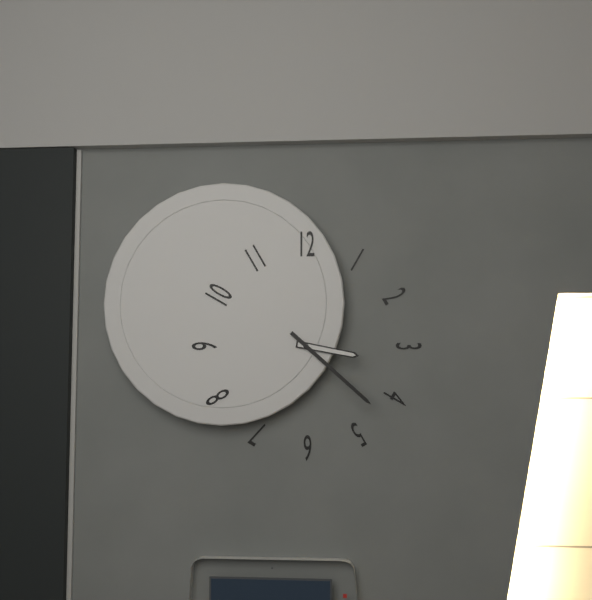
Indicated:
3:22
